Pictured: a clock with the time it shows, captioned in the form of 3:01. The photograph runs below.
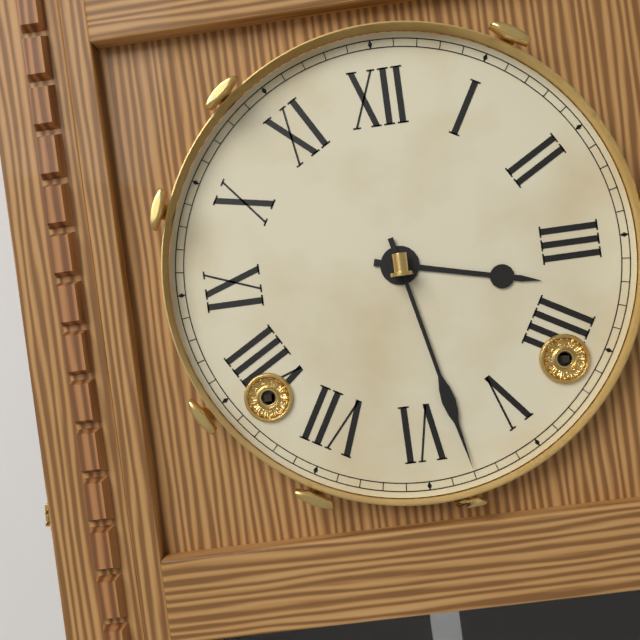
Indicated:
3:28
